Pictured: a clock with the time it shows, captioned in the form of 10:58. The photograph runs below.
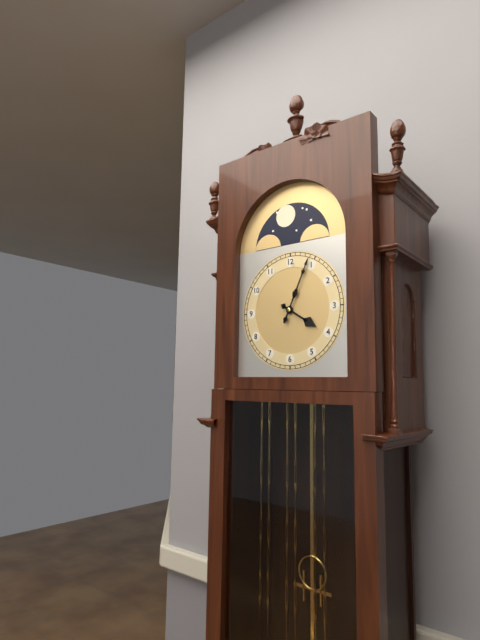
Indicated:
4:04
